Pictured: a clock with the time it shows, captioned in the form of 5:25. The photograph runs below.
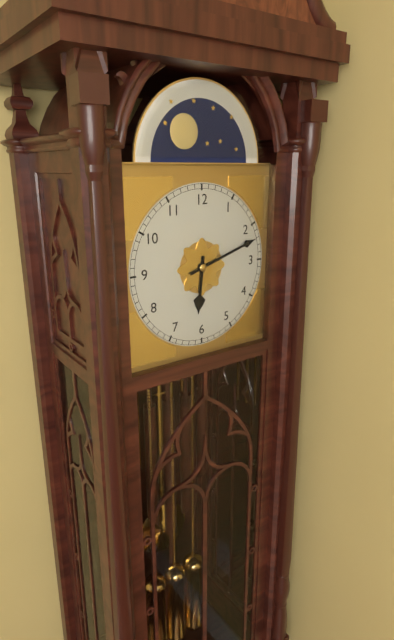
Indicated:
6:12
